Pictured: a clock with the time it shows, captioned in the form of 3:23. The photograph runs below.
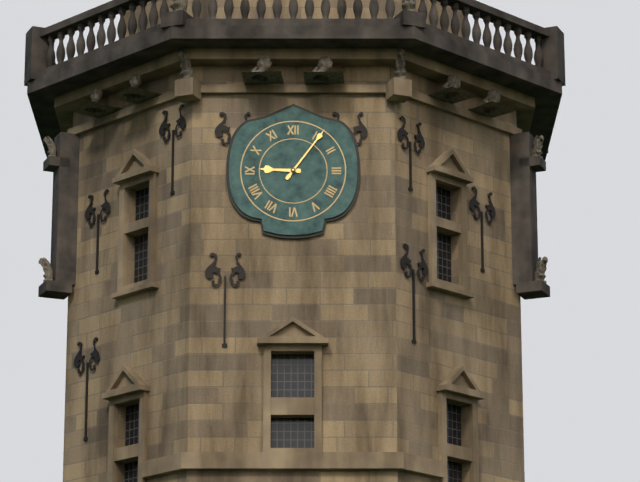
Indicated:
9:06
